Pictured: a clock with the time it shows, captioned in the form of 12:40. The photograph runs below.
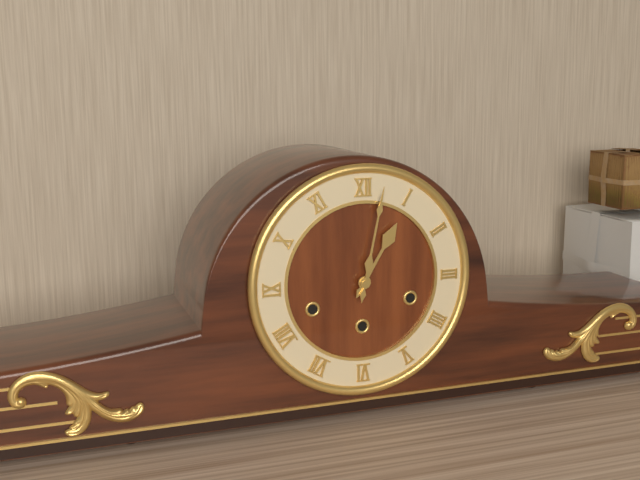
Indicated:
1:02
